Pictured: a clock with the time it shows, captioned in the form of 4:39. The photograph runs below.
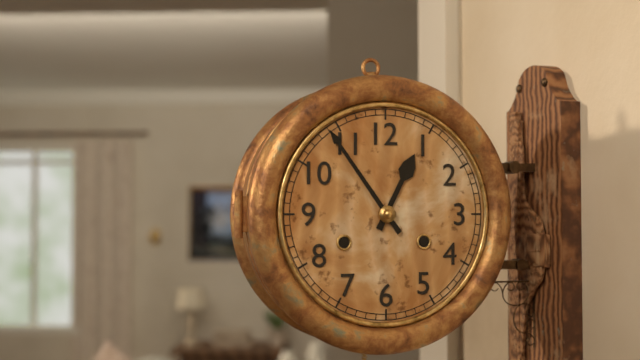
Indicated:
12:54
